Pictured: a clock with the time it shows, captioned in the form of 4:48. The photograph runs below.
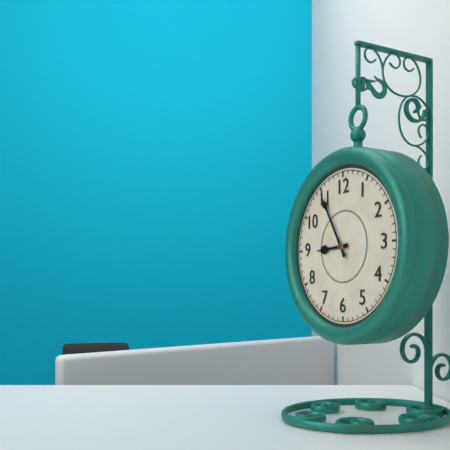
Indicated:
8:55
